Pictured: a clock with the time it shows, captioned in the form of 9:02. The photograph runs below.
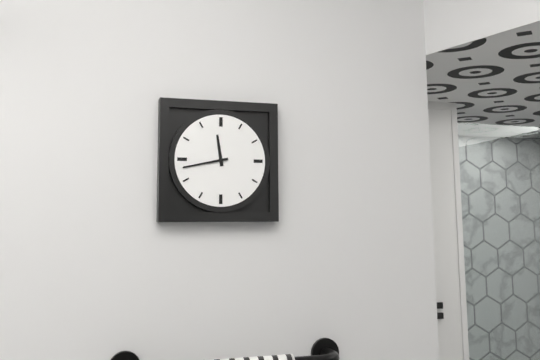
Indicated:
11:43
